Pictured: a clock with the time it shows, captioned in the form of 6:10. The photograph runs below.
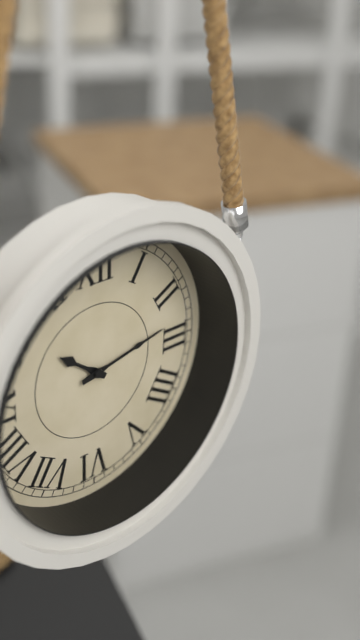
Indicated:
10:13
